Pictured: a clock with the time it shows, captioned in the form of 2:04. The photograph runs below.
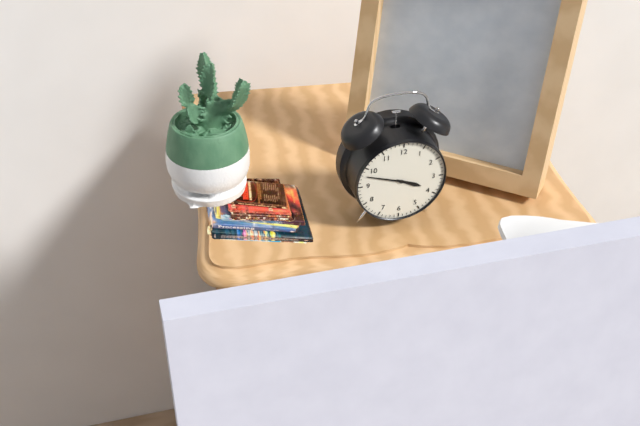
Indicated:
3:48
